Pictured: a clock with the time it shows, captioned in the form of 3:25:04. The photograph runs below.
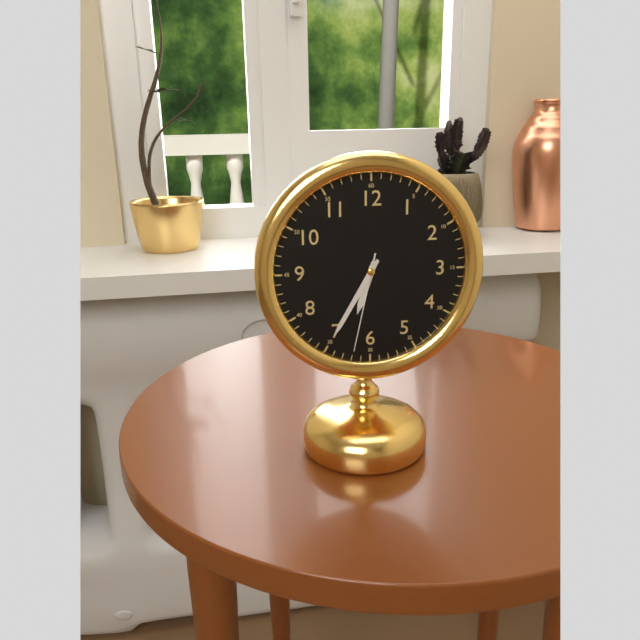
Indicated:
6:35:32
